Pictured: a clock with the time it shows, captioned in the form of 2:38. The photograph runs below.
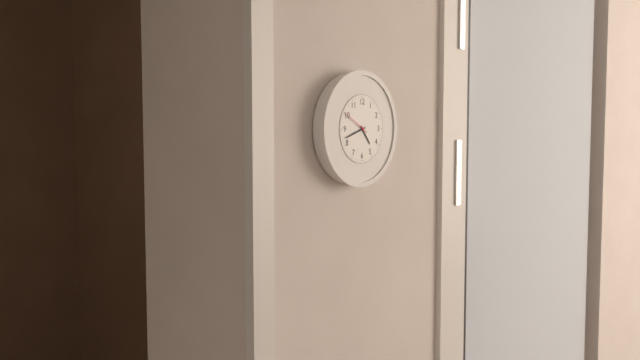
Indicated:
4:42
